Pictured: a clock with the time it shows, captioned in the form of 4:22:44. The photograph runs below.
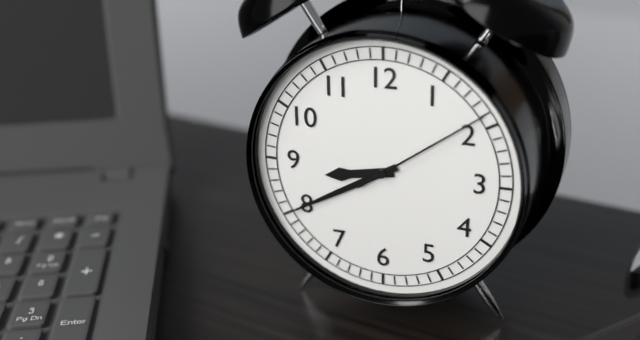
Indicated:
8:40:09
